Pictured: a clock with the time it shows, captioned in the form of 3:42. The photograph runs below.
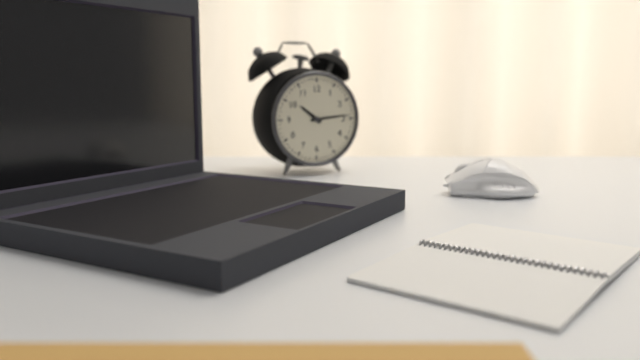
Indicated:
10:14
